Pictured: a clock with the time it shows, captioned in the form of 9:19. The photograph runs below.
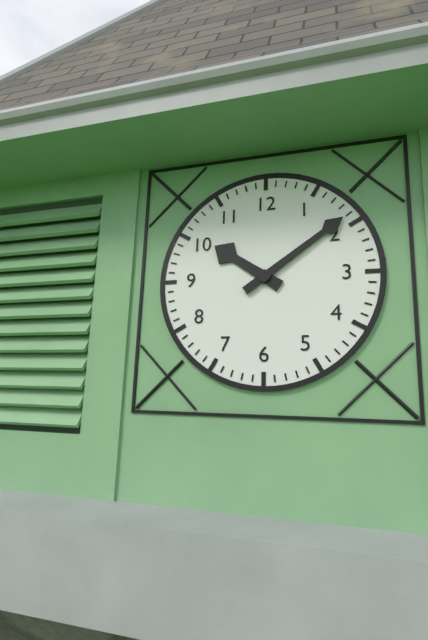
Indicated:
10:09
